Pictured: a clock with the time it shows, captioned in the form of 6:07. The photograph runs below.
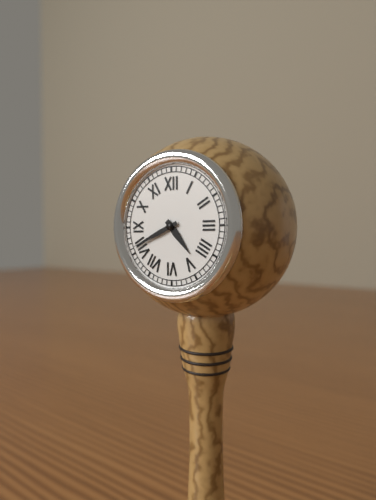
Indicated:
4:41
